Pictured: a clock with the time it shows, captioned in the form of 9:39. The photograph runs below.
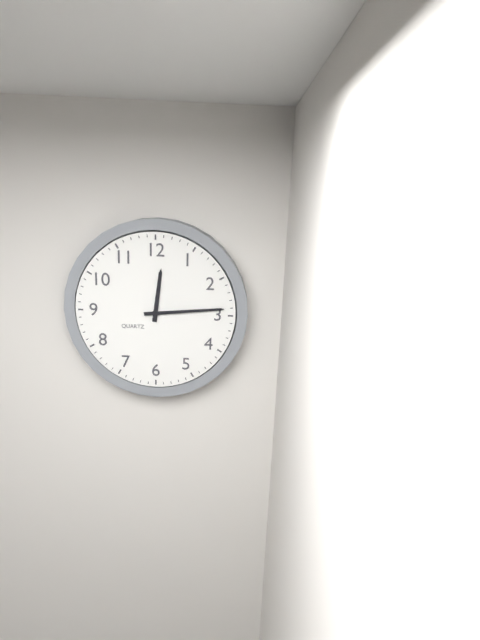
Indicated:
12:14
